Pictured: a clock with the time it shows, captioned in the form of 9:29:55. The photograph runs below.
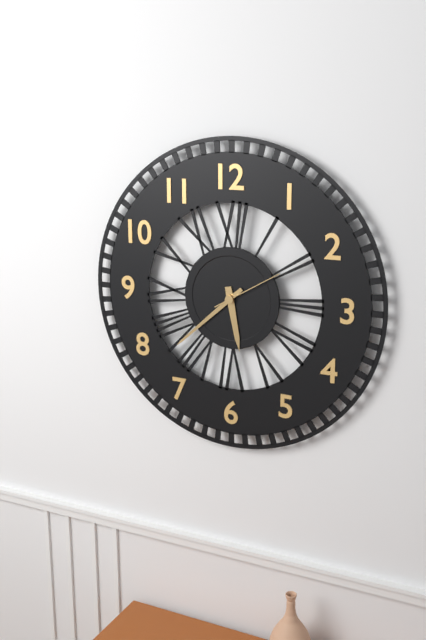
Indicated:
5:38:10
